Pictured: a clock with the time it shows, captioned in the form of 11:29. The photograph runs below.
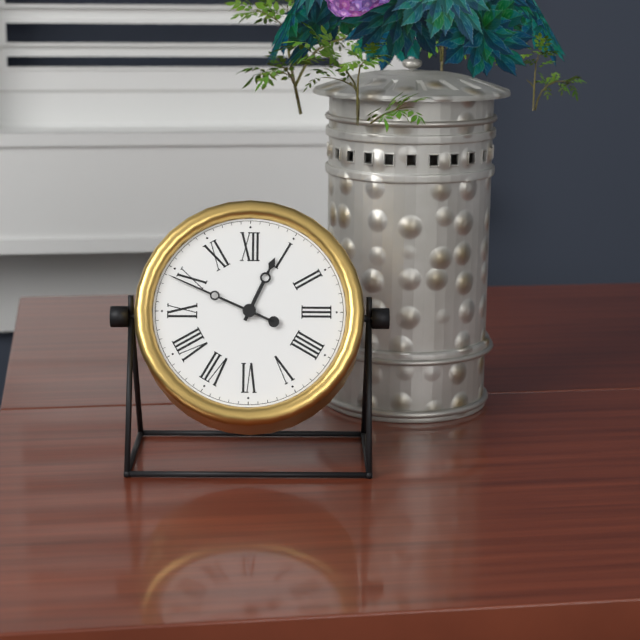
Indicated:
12:49
